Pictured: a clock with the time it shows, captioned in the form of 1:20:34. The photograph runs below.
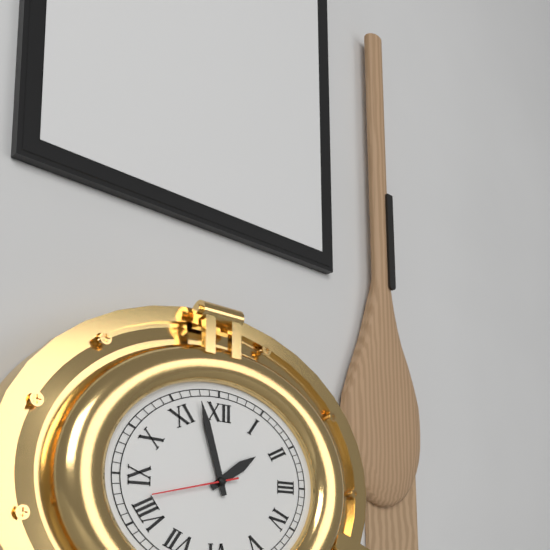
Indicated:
1:57:43
